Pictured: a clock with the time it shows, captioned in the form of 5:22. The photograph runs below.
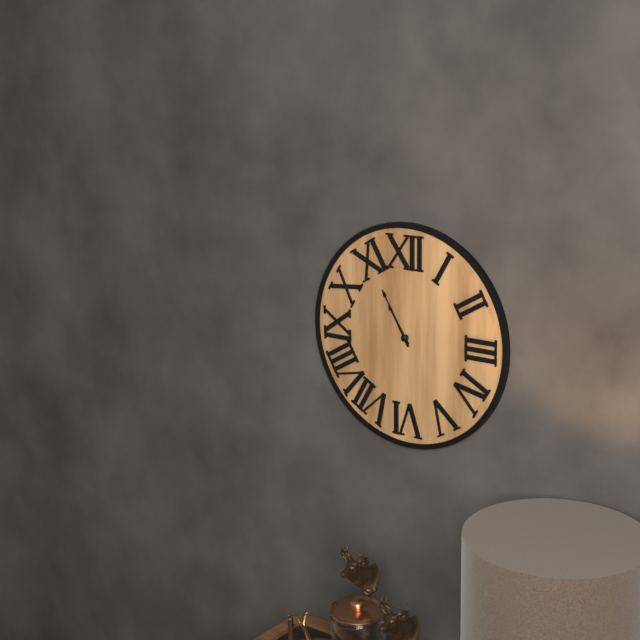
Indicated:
10:55
